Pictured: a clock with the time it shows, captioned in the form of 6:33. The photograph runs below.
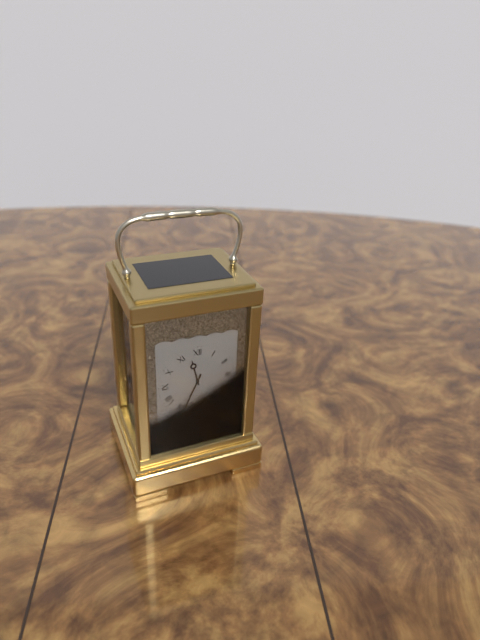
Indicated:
11:34
